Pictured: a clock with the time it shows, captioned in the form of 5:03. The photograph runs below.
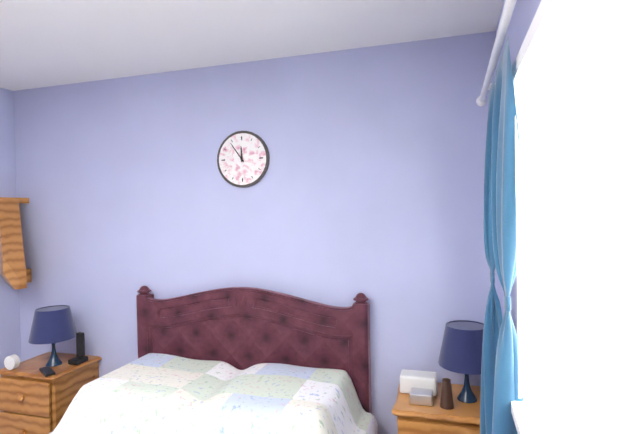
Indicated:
11:54
